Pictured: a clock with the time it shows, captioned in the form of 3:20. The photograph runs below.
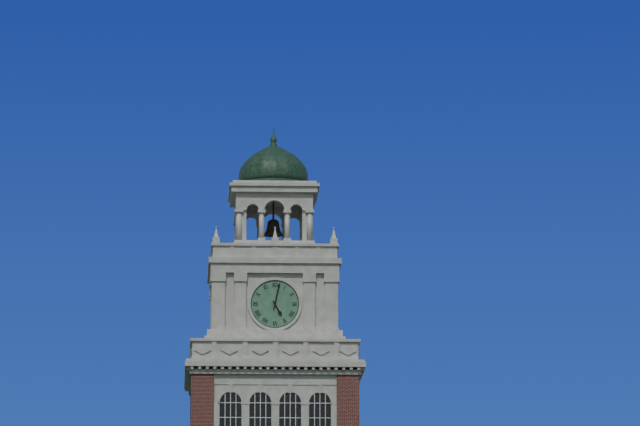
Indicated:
5:02
